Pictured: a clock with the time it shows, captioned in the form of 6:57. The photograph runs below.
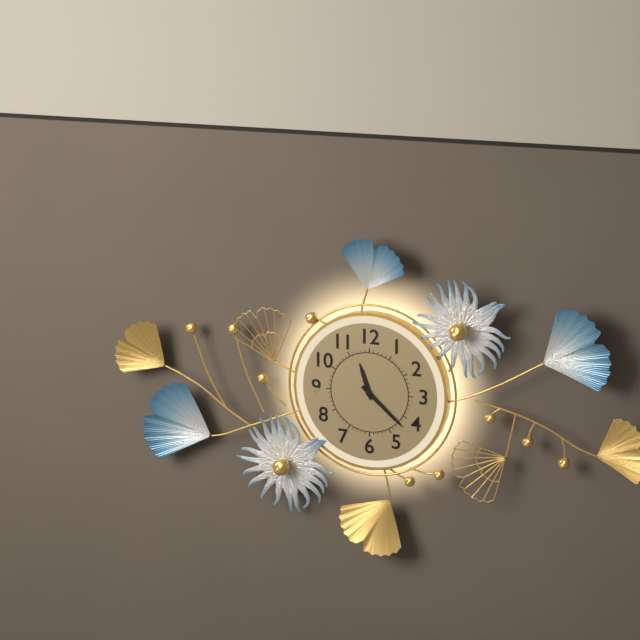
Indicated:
11:22
